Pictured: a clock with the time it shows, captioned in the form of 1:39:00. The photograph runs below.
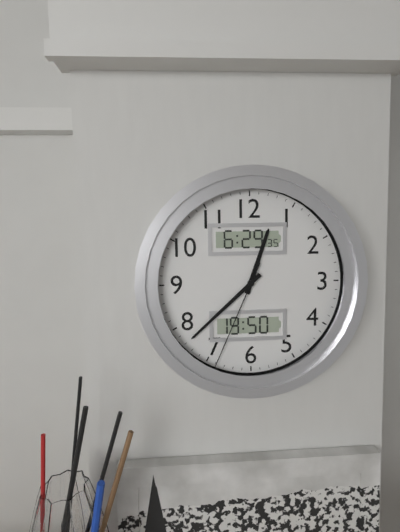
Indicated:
12:38:34
